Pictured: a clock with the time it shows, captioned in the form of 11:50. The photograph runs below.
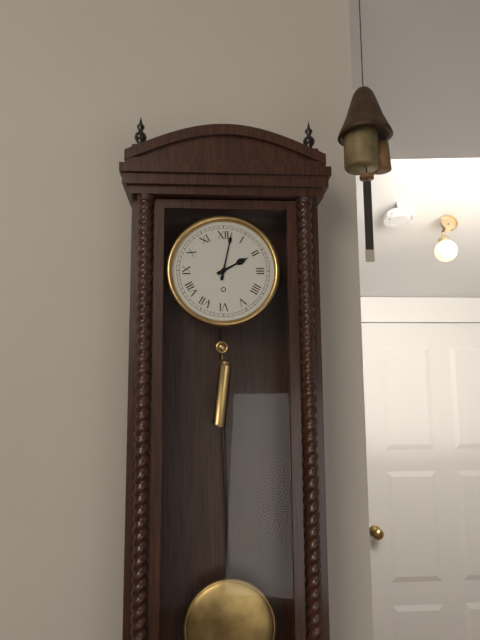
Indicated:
2:02
